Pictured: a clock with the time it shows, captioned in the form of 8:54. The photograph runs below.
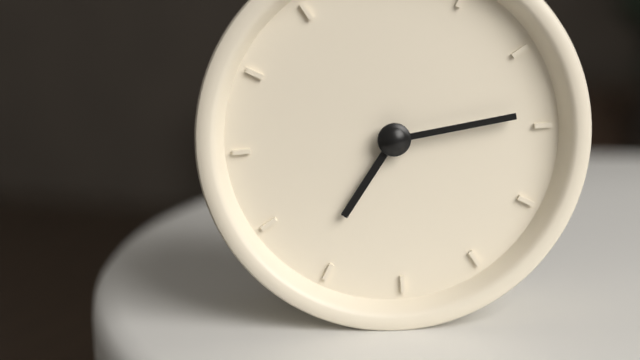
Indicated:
7:14
